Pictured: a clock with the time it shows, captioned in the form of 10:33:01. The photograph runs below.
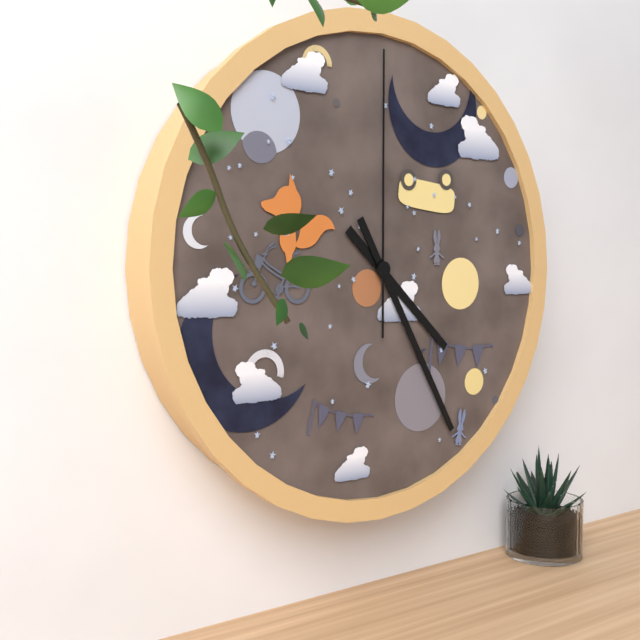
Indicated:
4:25:00
